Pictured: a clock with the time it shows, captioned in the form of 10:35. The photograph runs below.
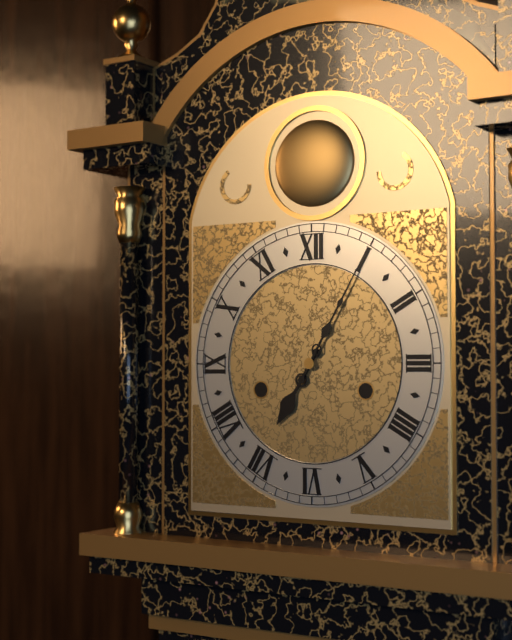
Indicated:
7:05
